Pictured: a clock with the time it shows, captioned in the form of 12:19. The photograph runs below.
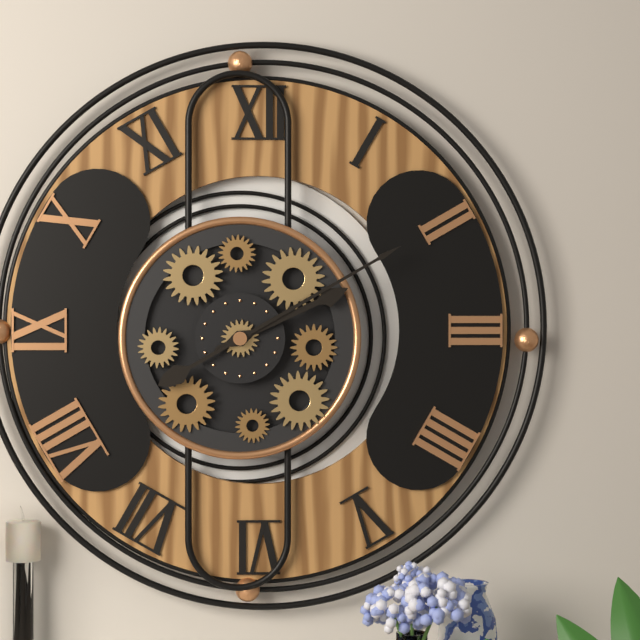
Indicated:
2:10
